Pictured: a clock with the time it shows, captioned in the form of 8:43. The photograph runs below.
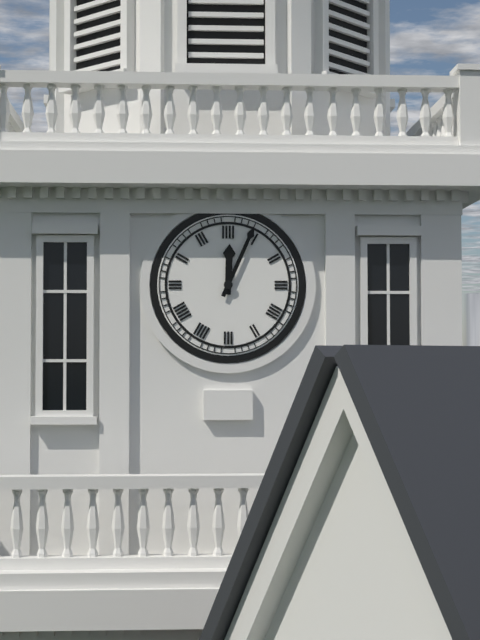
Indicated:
12:04
